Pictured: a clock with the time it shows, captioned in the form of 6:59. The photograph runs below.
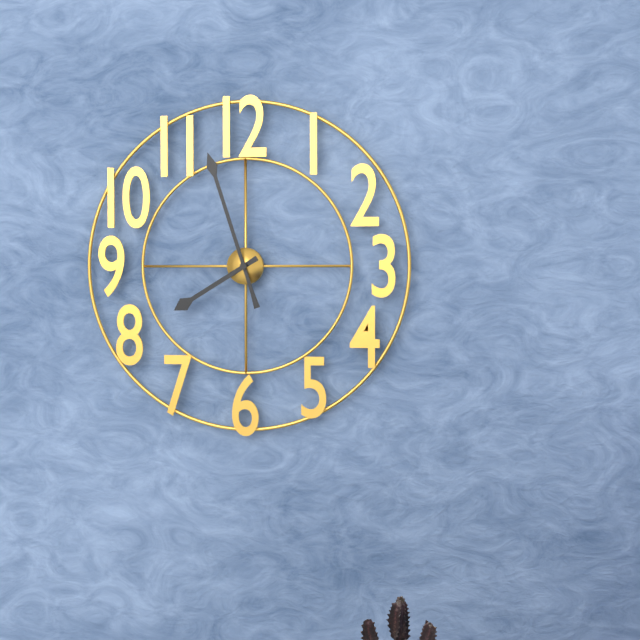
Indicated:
7:57
